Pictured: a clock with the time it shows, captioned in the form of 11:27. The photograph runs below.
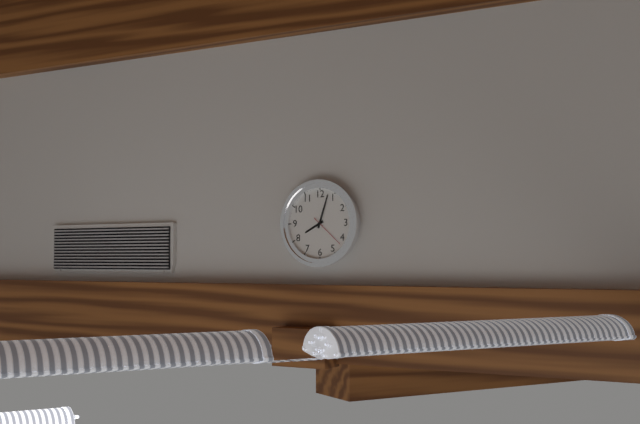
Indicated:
8:03
